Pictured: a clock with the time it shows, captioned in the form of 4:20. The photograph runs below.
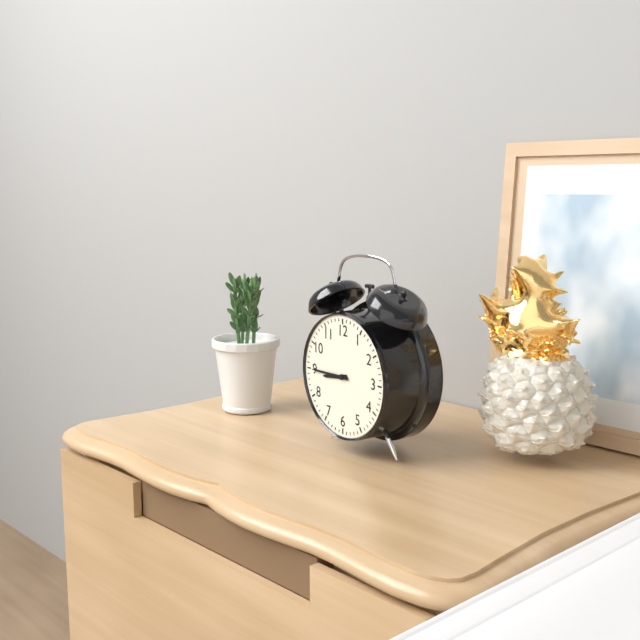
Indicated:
8:45
